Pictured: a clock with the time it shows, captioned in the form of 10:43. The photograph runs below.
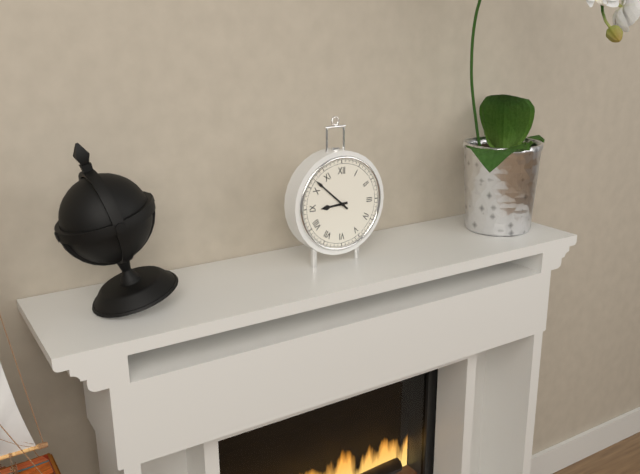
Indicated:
8:52
